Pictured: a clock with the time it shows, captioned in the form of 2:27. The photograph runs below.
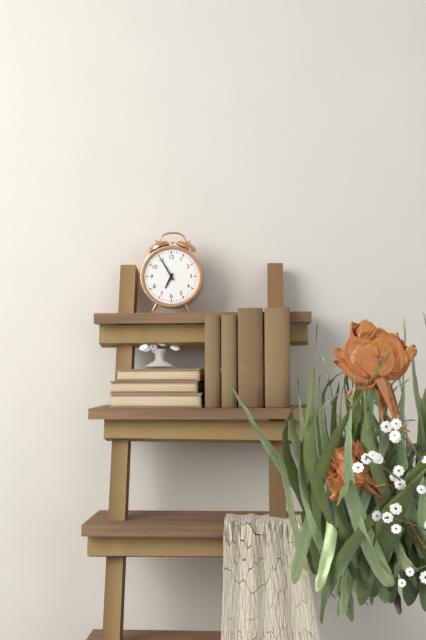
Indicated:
6:55
